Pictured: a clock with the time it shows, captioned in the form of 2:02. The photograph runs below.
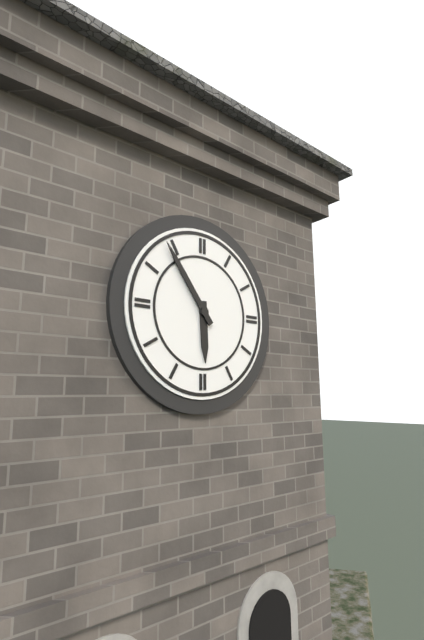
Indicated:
5:54
